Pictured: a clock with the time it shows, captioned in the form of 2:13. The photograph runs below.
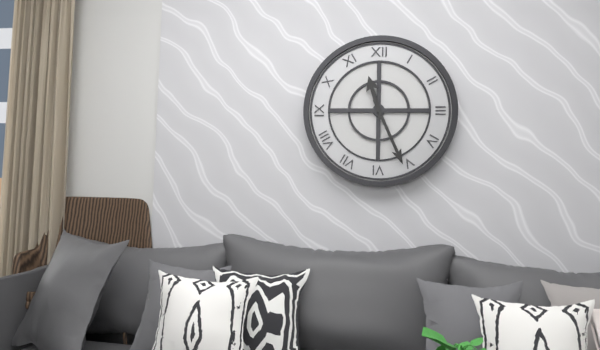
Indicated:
11:26
